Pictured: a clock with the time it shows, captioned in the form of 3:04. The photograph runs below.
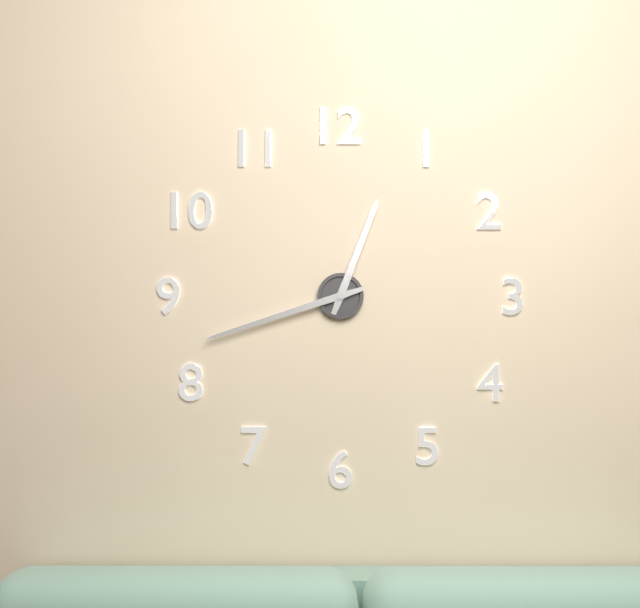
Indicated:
12:42
